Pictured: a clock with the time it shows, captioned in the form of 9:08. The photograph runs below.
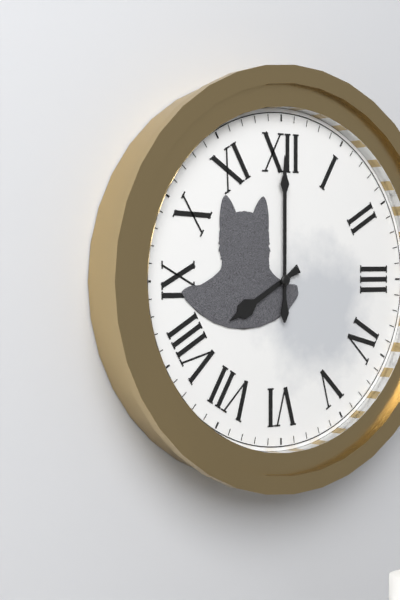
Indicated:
8:00
